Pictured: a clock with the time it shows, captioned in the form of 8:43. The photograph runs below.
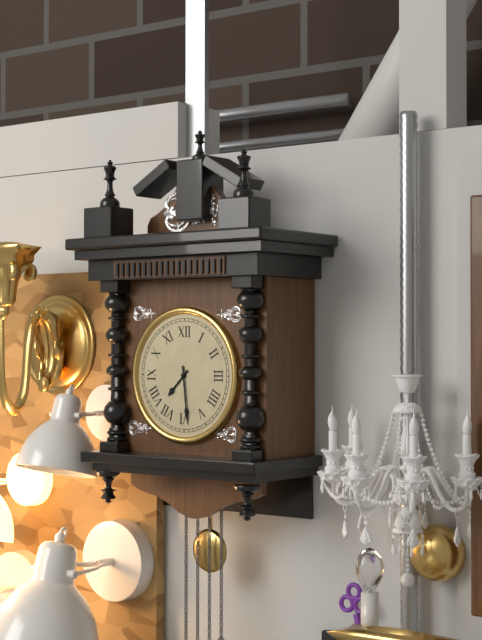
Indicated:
7:29
